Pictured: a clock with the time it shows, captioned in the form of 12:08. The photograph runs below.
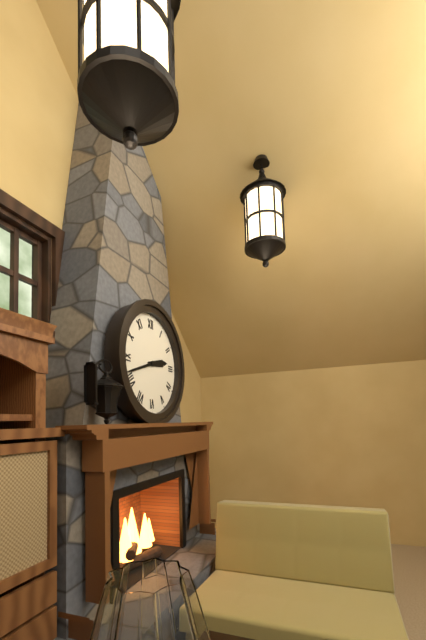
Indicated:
2:42
